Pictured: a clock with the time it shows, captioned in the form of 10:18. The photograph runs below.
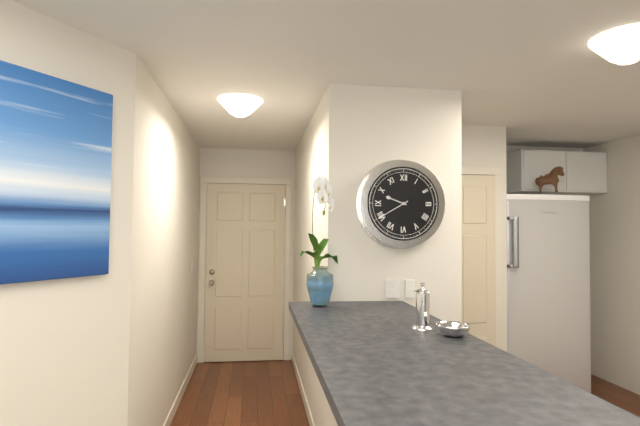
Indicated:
9:40
